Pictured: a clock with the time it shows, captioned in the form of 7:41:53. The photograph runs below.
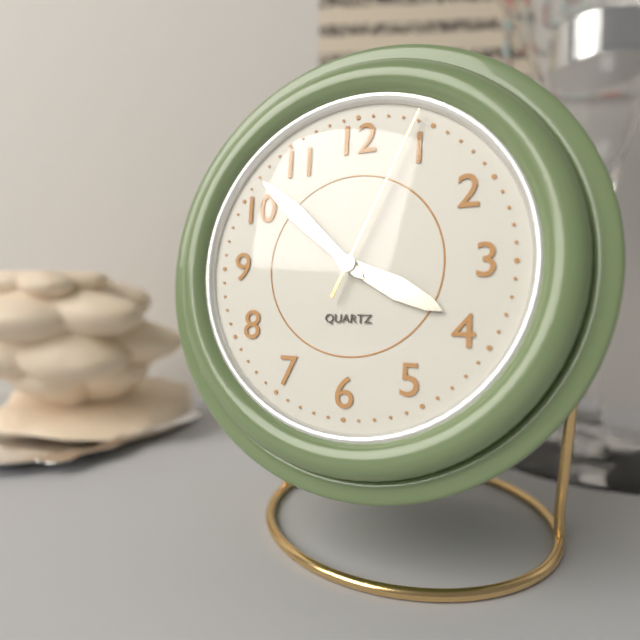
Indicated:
3:52:04
